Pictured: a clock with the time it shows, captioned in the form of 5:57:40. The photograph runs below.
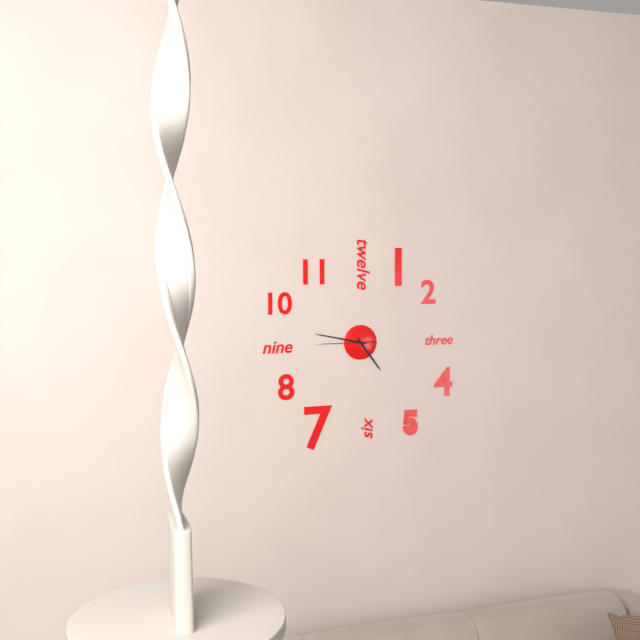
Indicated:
4:47:45
